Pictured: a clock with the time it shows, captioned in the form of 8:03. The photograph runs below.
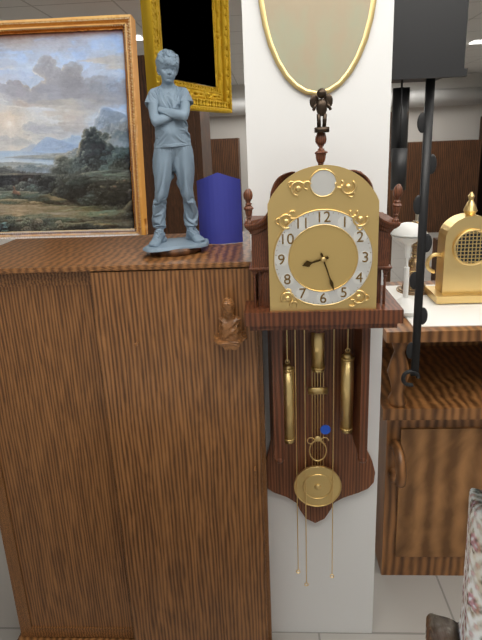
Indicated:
8:27
